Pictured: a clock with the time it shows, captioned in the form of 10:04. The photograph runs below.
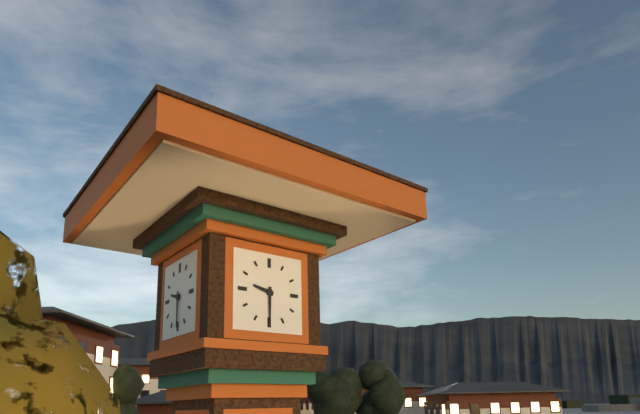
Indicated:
9:30
